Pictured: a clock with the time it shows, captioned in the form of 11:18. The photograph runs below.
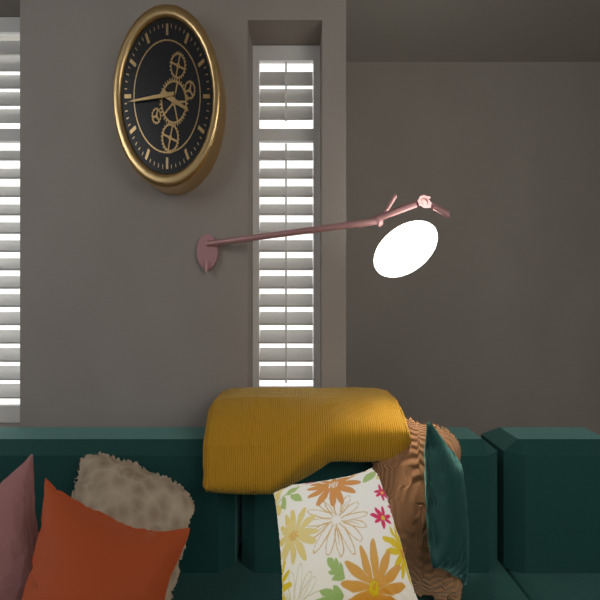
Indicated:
3:44
